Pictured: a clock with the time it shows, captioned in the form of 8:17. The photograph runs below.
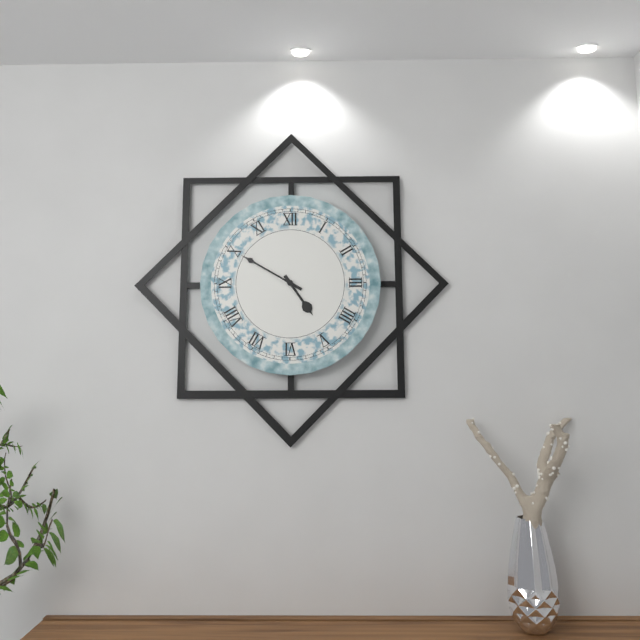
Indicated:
4:50
